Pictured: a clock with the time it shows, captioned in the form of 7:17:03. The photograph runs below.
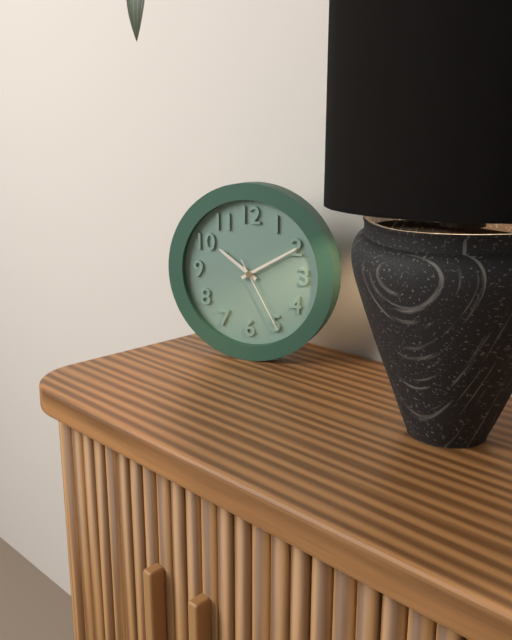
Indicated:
10:10:25
